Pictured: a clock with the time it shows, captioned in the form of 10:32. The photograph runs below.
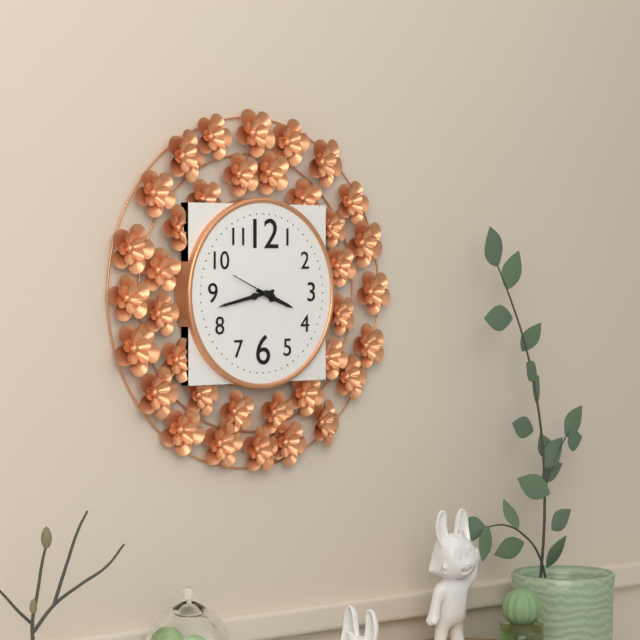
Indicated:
3:43
